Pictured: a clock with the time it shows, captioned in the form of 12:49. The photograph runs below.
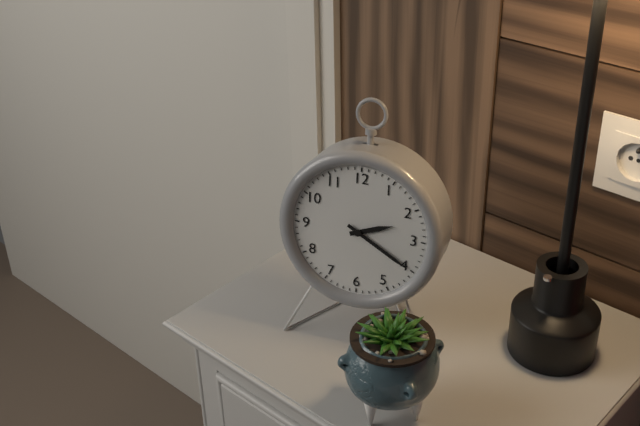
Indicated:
2:20
